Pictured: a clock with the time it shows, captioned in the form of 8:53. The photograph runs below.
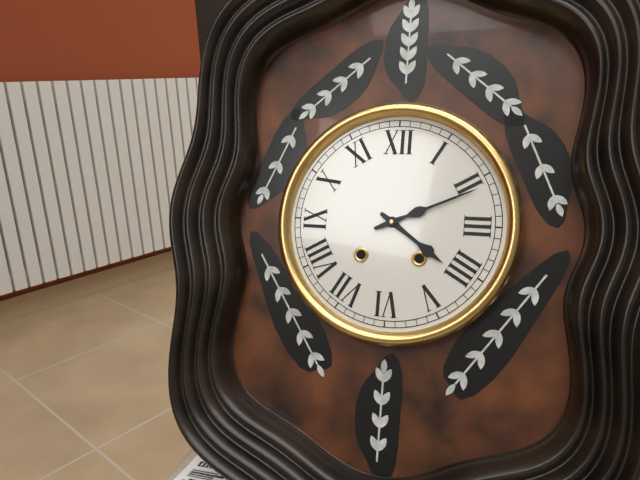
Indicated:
4:11
